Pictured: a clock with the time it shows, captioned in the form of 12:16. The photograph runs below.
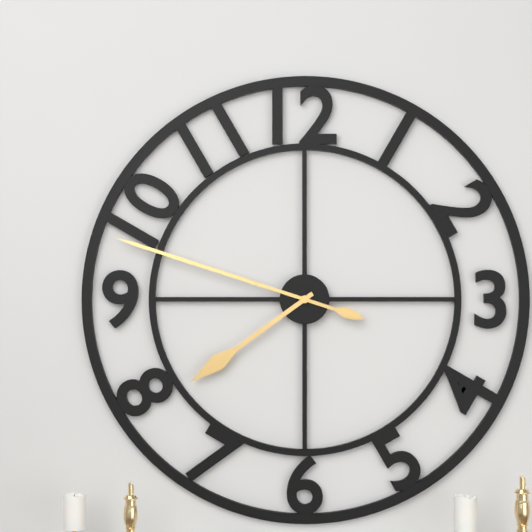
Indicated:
7:48
